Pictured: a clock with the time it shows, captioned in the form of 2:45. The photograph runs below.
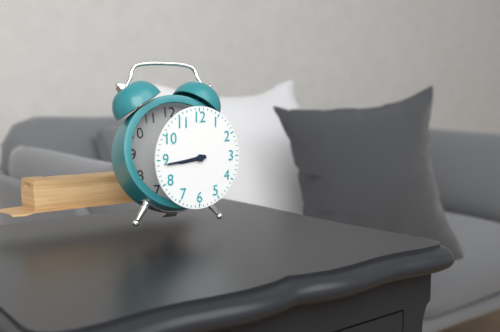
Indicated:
8:44
